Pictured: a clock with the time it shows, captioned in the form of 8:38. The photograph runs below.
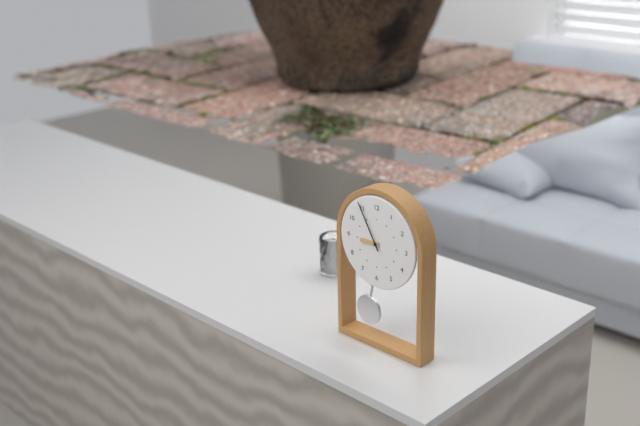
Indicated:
8:55
